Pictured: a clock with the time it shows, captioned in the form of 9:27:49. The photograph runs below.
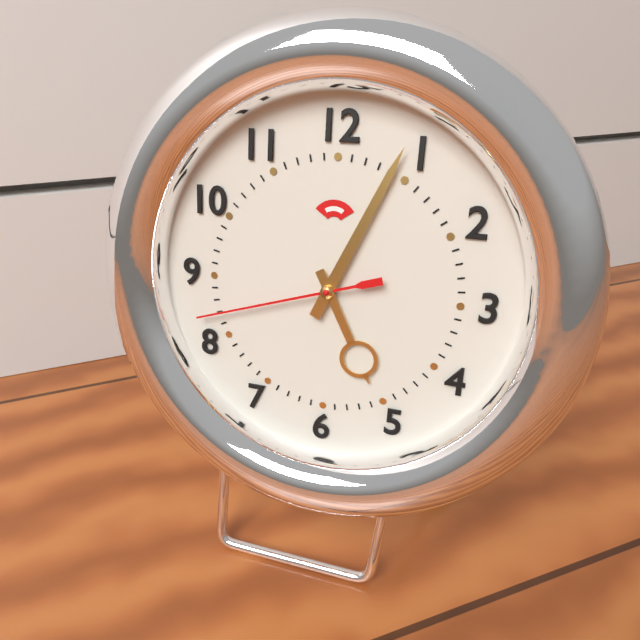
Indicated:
5:04:42
